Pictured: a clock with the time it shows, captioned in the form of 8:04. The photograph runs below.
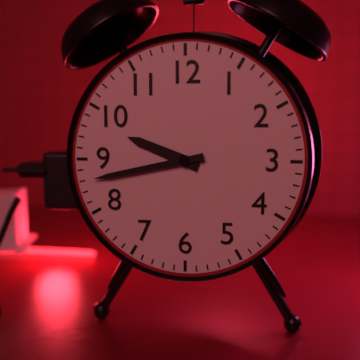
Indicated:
9:43
